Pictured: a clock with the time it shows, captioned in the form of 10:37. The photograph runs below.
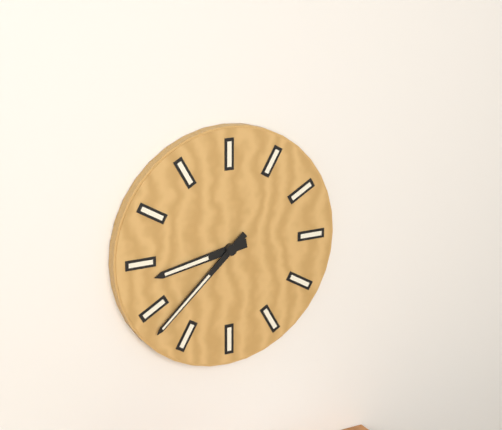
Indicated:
8:38
